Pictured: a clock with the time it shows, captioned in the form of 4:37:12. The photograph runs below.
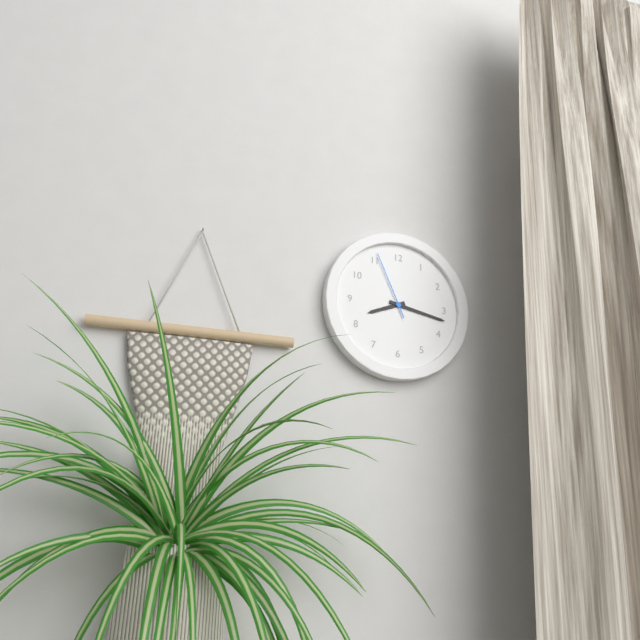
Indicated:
8:17:56
